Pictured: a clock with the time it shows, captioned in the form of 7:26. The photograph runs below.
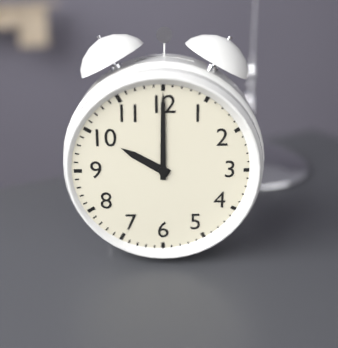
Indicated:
10:00
